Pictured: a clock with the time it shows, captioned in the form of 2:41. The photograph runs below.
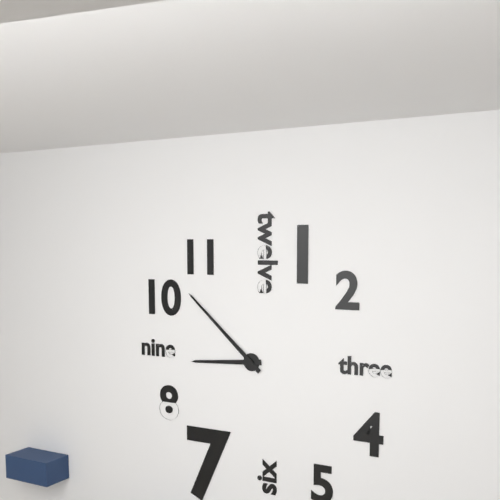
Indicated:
8:52
